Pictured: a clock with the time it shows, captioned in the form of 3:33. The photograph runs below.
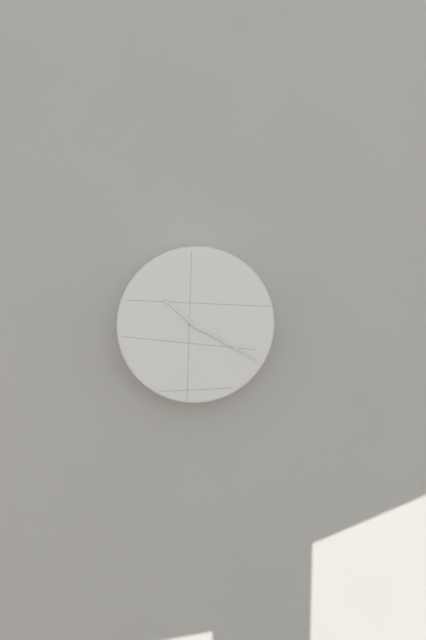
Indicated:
10:20
